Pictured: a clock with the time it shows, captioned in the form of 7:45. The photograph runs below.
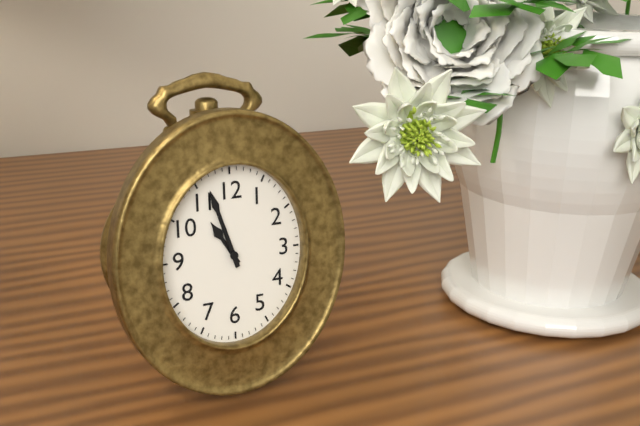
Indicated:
10:57
